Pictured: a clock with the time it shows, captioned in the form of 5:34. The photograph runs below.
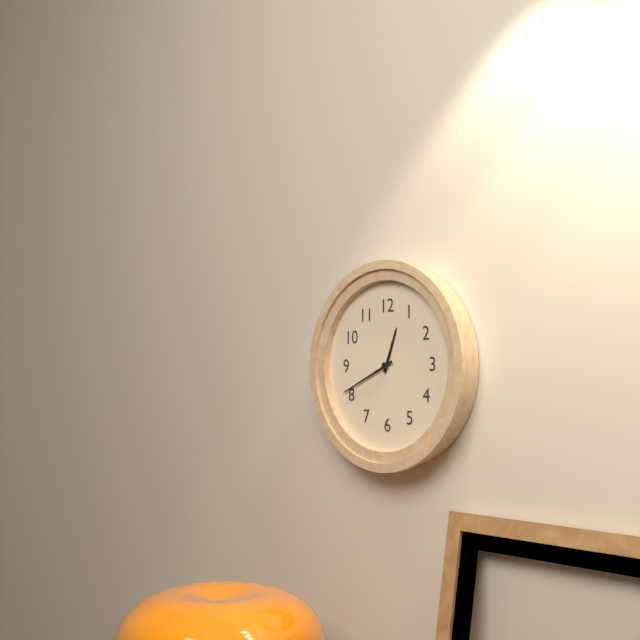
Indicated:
12:41
